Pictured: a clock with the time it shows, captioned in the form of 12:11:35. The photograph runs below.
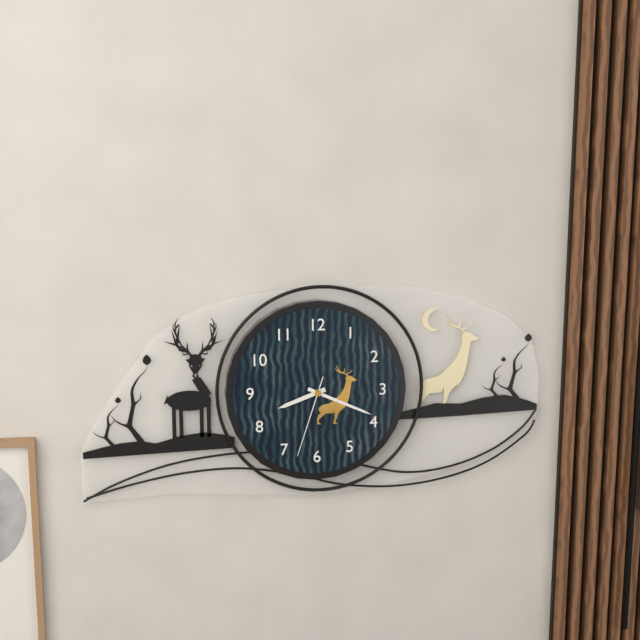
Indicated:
8:19:33
